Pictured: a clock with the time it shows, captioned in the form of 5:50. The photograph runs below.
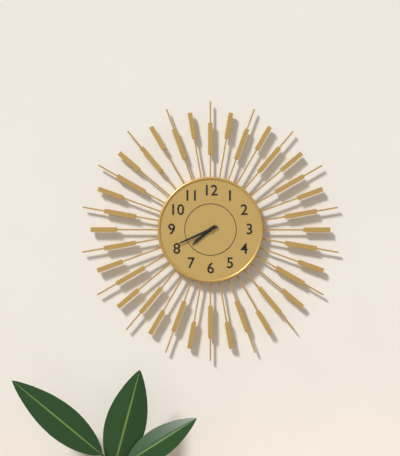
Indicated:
7:41
